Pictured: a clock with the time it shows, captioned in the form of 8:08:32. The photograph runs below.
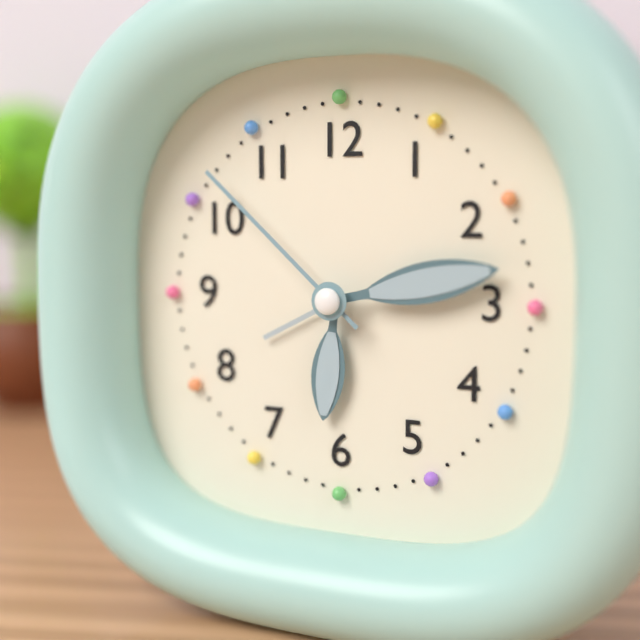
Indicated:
6:13:52
